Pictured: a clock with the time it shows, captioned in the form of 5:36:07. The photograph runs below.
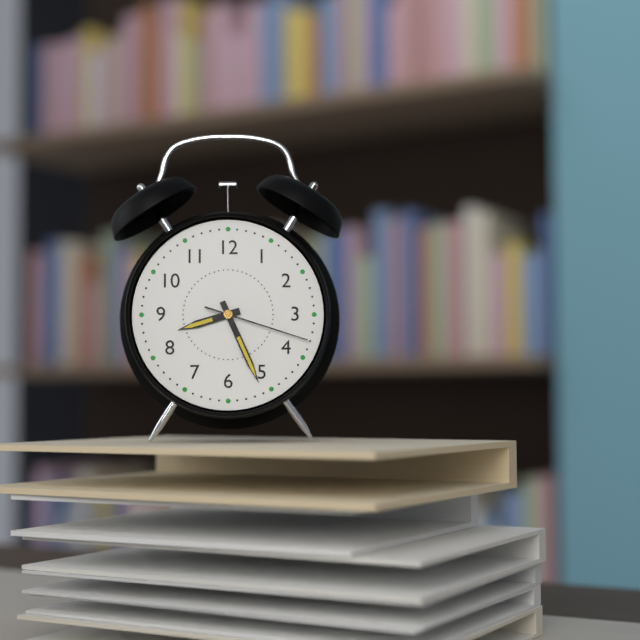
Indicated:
8:26:18
